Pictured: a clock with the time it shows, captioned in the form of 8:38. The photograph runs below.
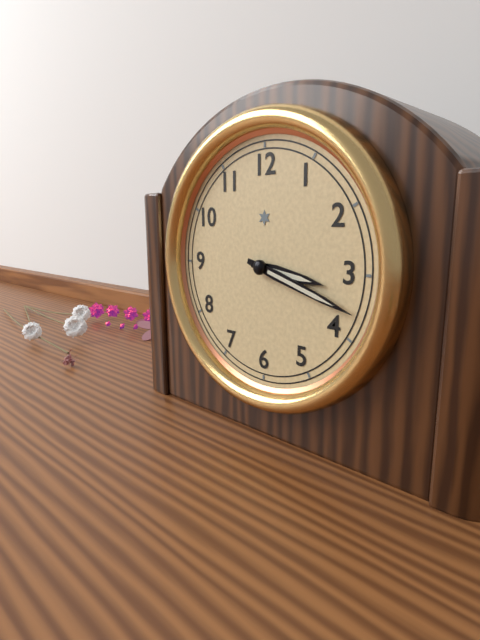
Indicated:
3:18
